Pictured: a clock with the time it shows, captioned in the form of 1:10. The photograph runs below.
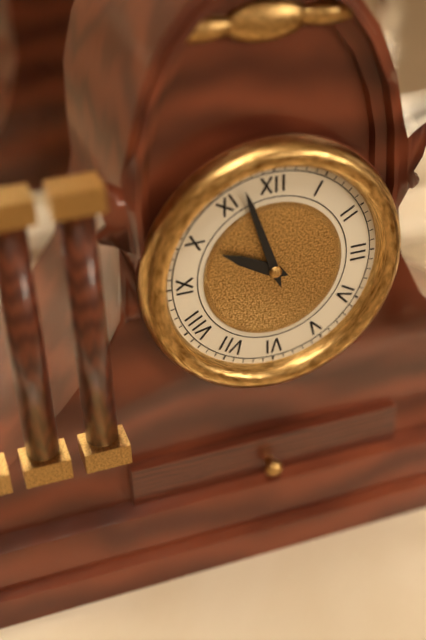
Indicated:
9:57
